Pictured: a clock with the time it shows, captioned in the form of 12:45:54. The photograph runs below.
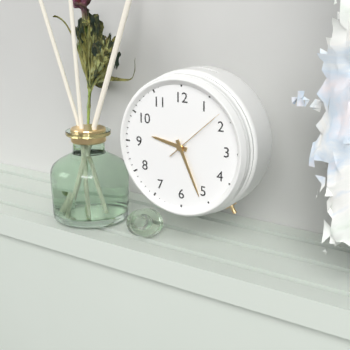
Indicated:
9:26:08
